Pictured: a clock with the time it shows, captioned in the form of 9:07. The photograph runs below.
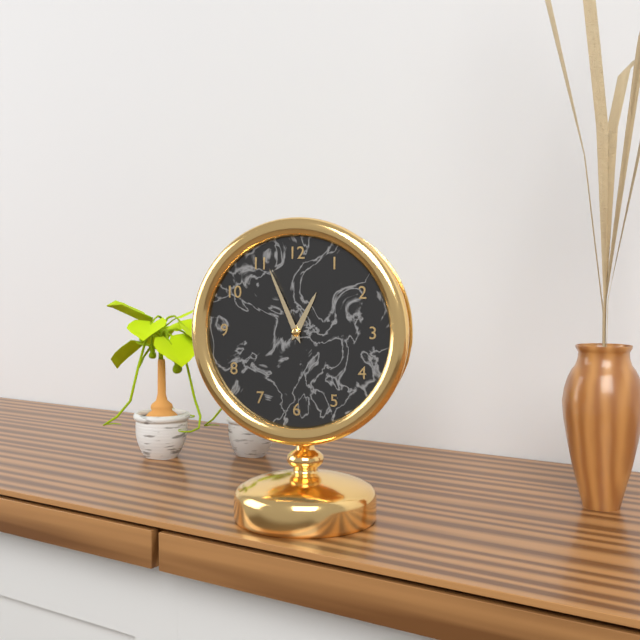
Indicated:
12:56
